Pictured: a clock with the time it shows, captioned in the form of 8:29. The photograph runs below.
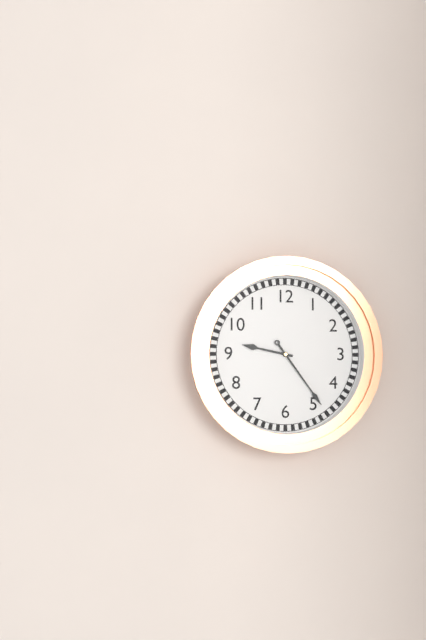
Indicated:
9:24
